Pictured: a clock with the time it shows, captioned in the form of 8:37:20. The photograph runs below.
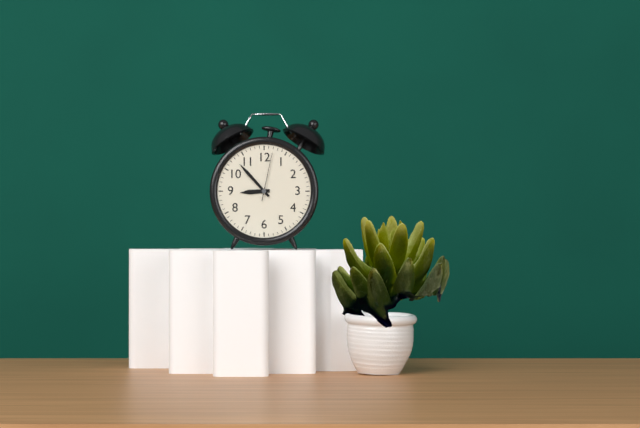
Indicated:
8:53:02
